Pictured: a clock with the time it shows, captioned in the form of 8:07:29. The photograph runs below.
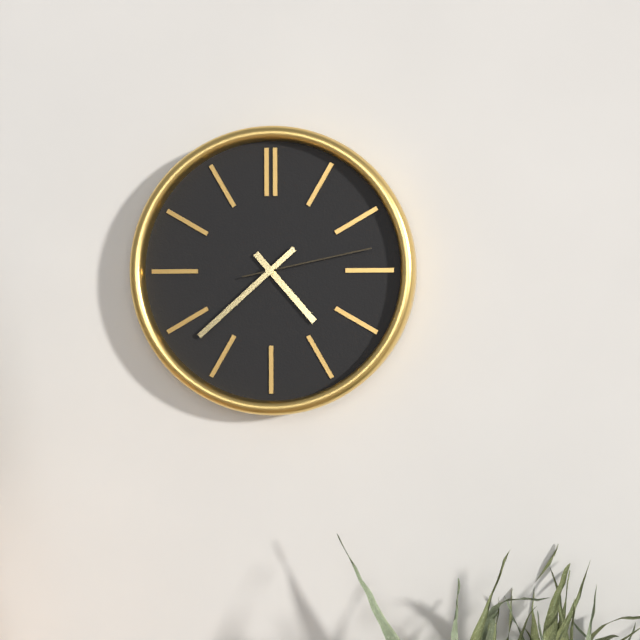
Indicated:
4:38:13
